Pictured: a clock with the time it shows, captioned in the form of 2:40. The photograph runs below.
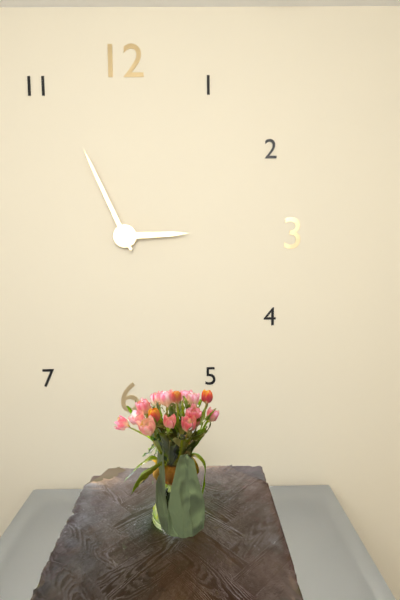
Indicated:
2:56
